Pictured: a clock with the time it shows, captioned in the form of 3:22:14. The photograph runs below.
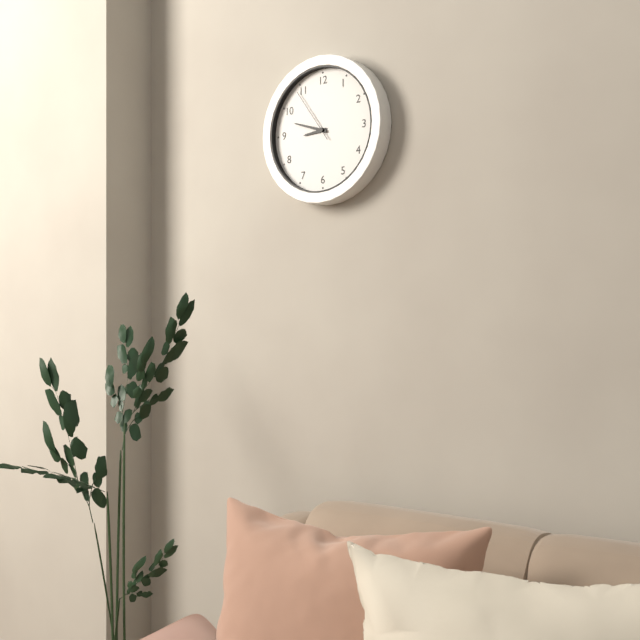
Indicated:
8:48:54
